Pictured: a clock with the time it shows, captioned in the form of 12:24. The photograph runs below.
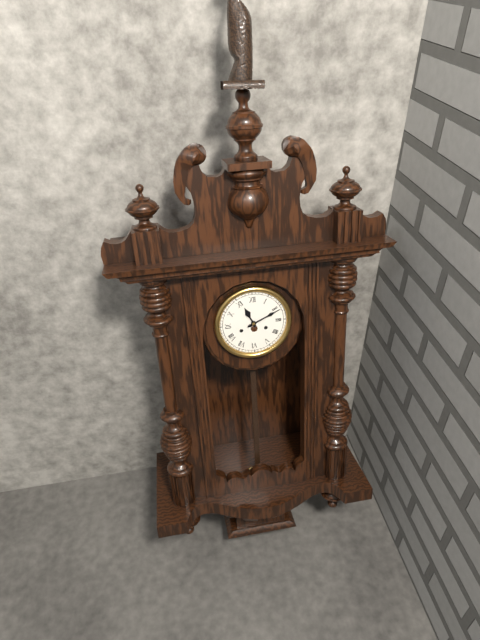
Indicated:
11:11
